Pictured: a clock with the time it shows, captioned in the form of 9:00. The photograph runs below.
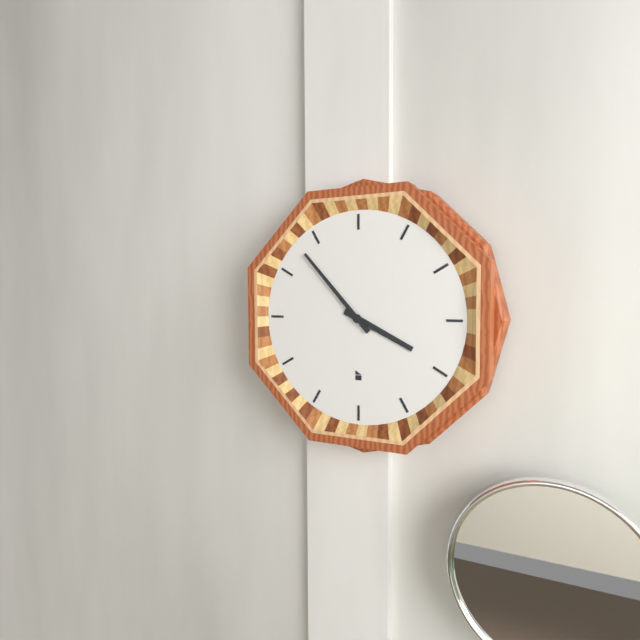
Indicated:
3:53
